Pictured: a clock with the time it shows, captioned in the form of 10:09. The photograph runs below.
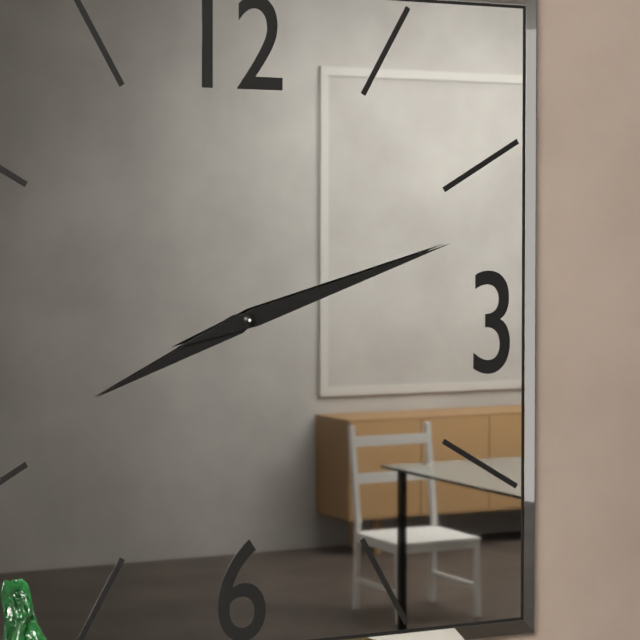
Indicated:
8:12
